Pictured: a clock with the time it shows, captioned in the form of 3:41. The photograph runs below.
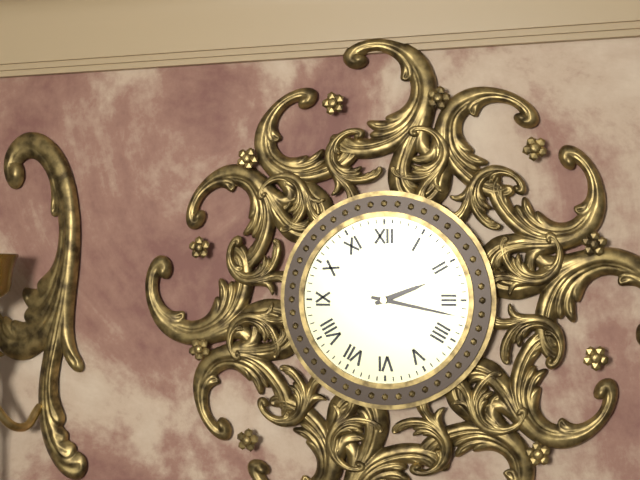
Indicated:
2:17
